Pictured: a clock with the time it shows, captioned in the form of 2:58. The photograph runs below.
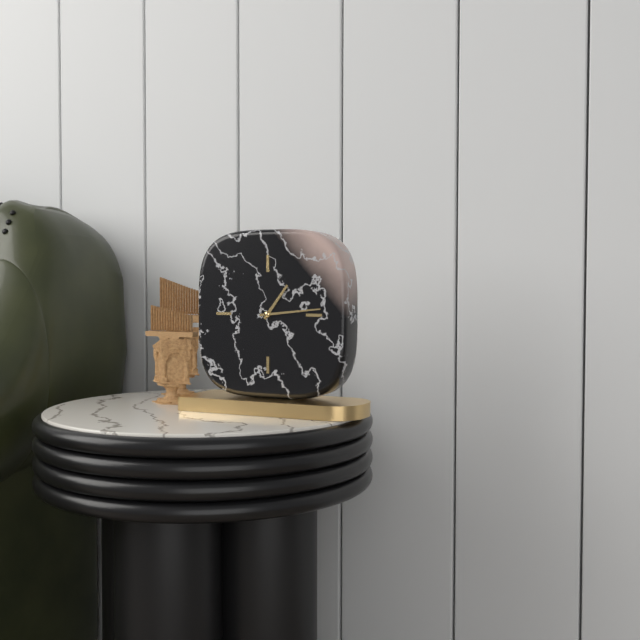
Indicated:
1:14
